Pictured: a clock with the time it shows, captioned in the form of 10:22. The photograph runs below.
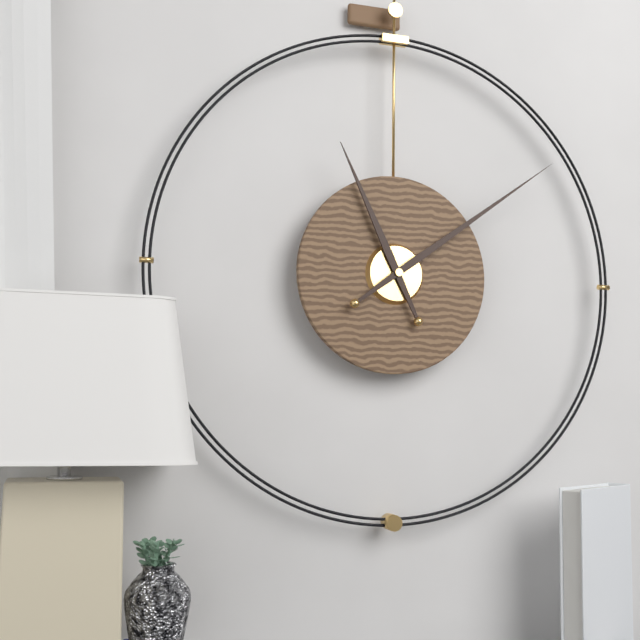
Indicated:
11:09
